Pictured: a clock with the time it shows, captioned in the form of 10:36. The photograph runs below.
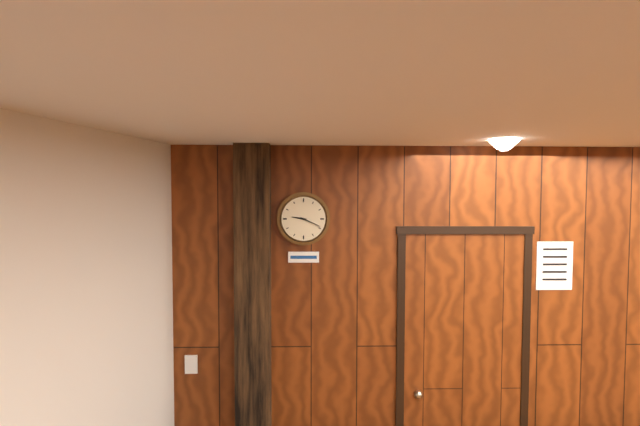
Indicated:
9:19
